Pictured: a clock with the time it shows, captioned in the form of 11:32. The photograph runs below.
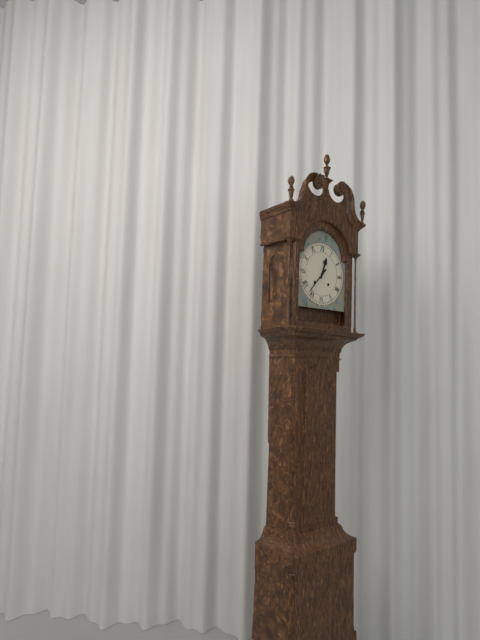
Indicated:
12:37
